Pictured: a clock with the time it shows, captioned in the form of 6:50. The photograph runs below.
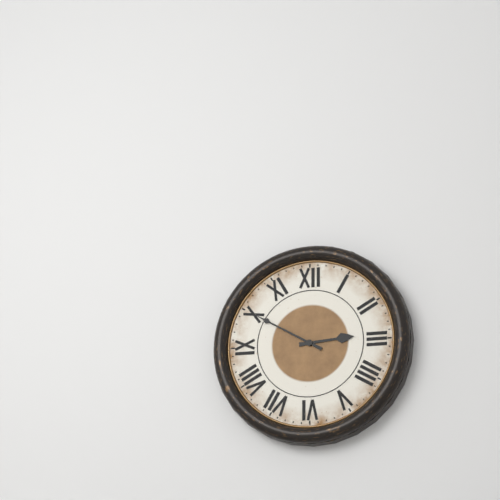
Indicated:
2:50
